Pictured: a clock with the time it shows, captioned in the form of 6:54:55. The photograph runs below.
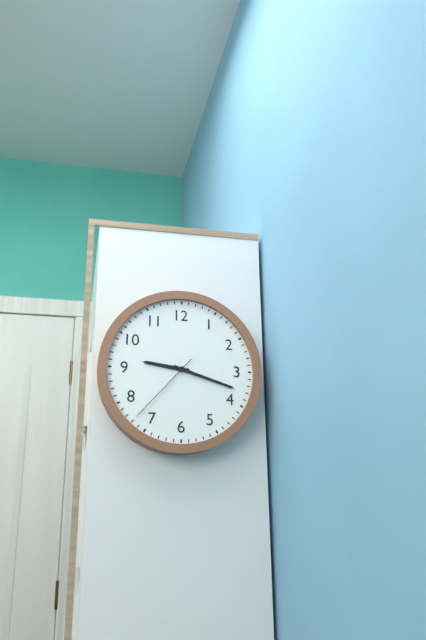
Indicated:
9:18:37
